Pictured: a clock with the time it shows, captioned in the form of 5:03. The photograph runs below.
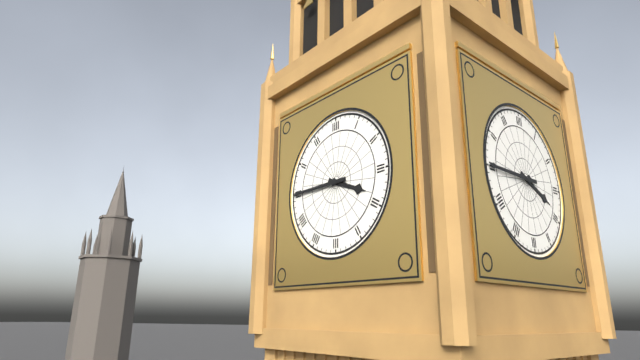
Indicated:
3:45
